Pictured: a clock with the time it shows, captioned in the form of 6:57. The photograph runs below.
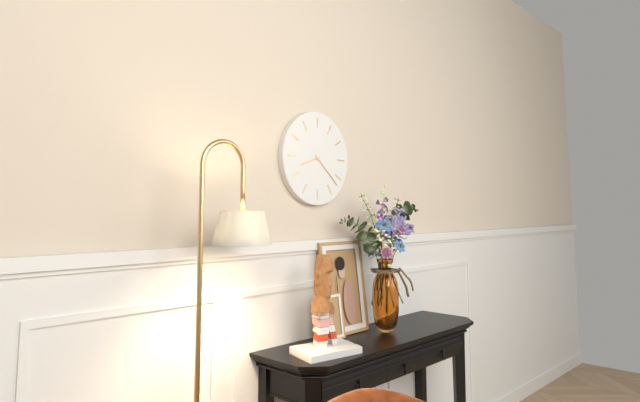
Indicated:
8:22
